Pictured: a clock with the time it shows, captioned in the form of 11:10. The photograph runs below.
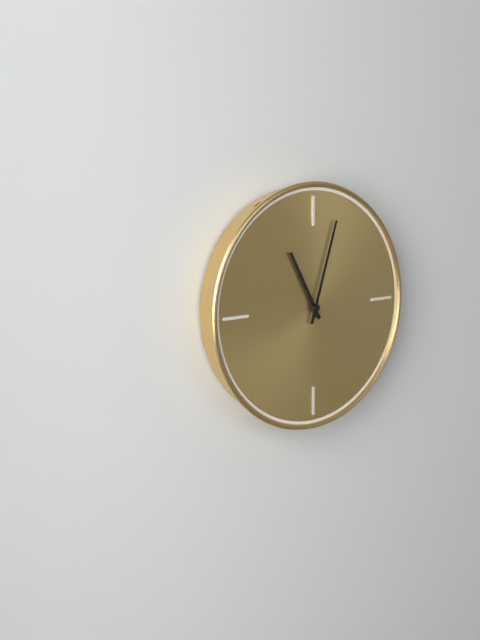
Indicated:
11:03
